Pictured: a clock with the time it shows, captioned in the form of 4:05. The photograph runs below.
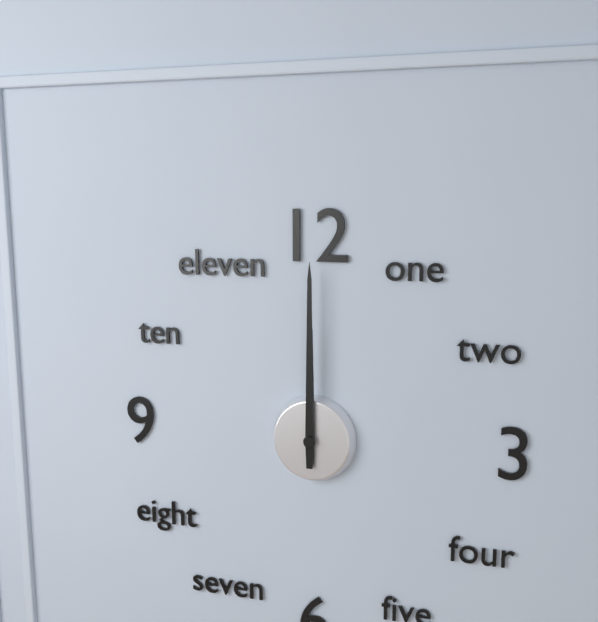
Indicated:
12:00
